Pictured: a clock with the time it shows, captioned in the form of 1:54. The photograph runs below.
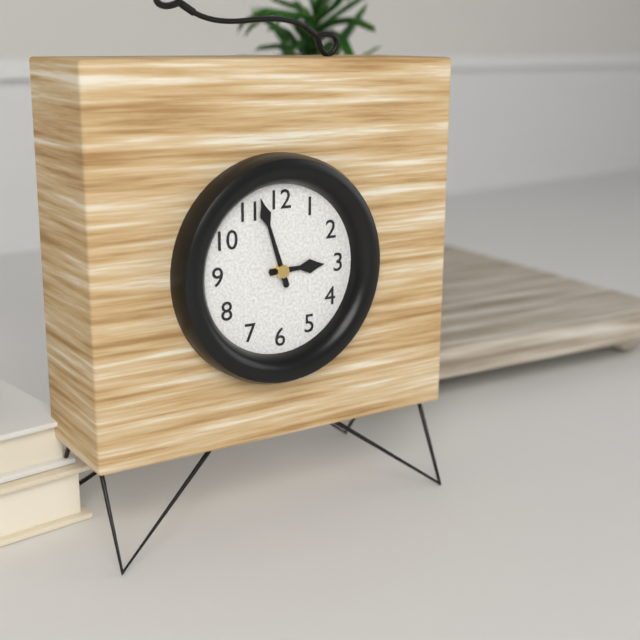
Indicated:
2:57
